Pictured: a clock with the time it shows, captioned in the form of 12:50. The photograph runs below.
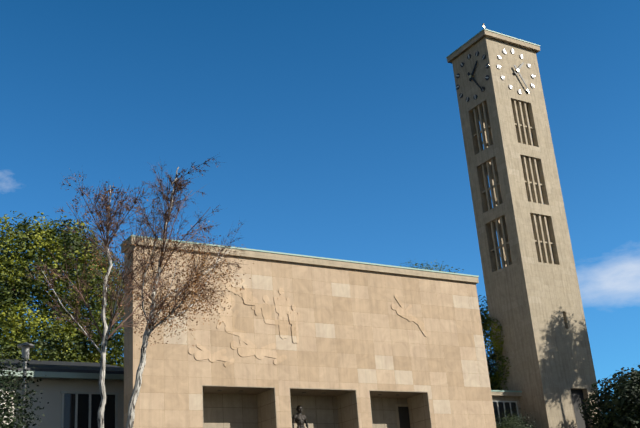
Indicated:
1:25
